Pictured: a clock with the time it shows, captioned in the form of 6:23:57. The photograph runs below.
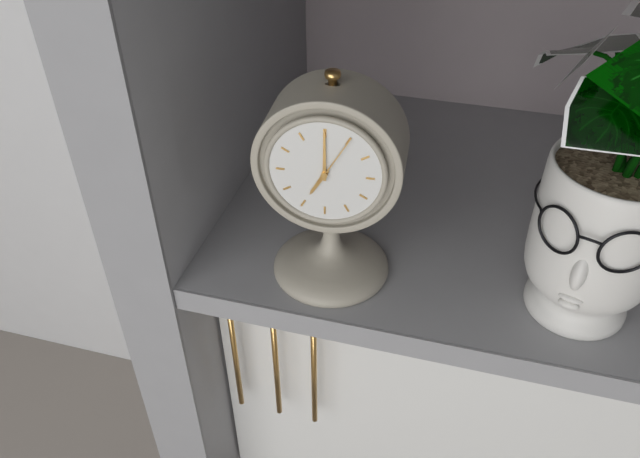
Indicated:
7:00:05
